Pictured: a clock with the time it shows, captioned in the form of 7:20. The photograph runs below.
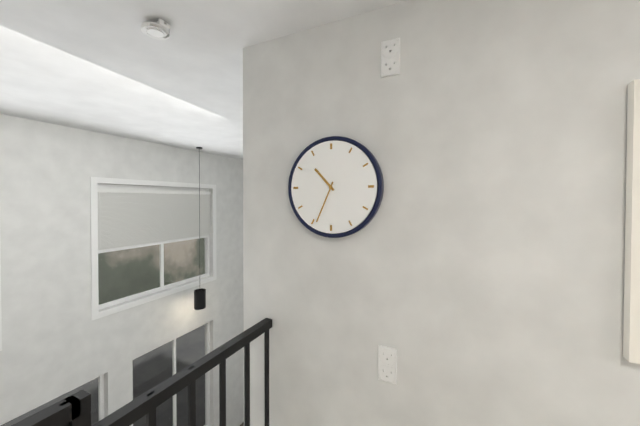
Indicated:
10:34
